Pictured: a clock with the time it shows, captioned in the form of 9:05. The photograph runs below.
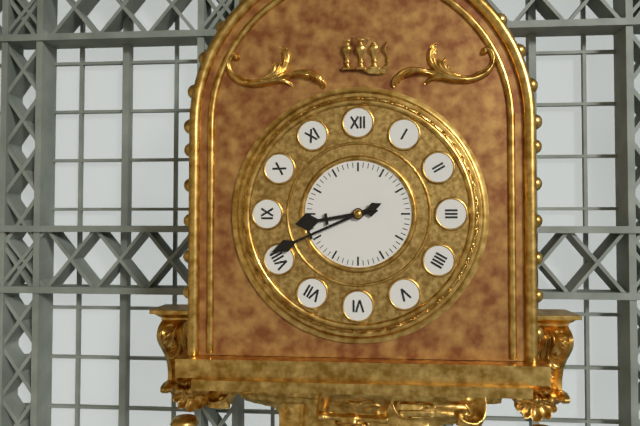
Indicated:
8:41
